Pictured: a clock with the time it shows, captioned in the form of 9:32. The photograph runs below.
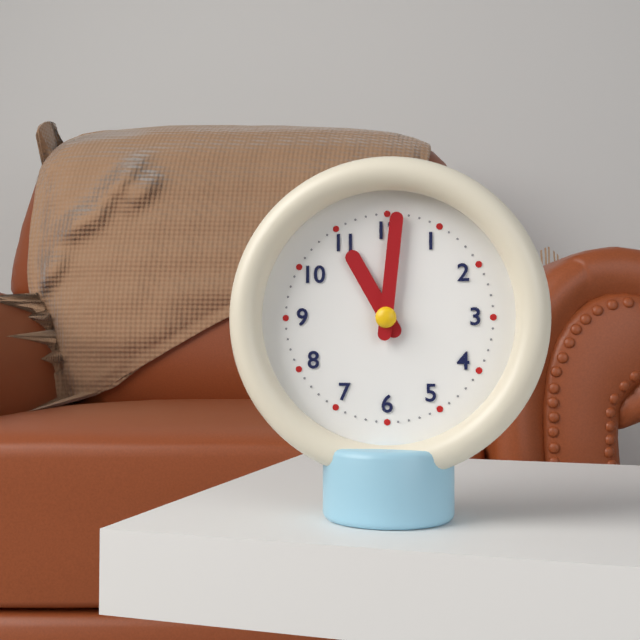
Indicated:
11:01
